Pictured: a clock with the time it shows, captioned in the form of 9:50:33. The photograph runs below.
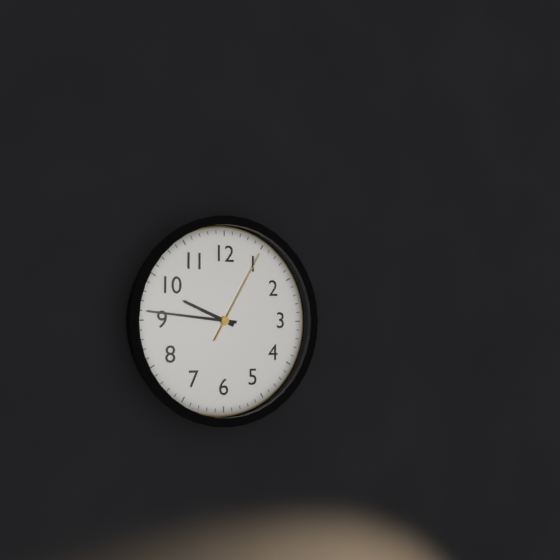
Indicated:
9:46:05
